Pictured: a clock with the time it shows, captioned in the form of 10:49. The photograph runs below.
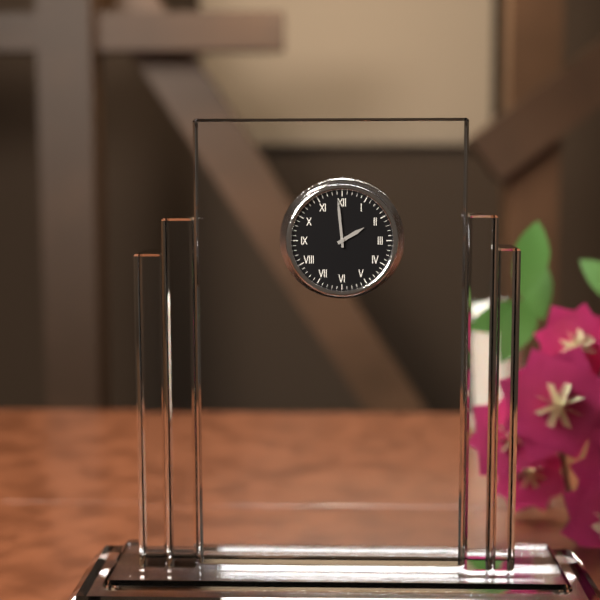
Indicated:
1:59
